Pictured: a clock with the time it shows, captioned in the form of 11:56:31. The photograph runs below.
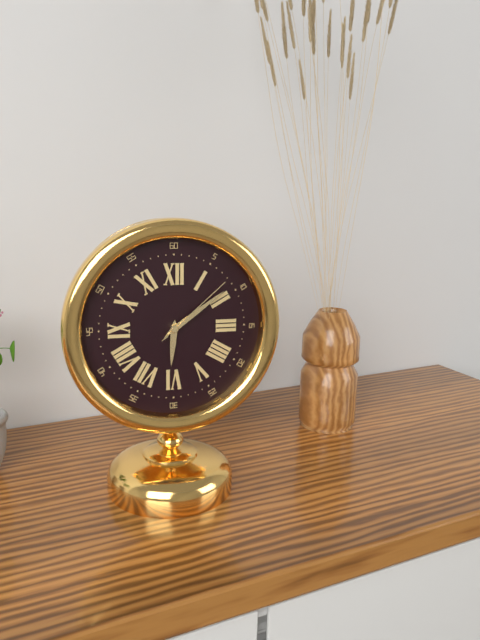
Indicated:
6:09:08
